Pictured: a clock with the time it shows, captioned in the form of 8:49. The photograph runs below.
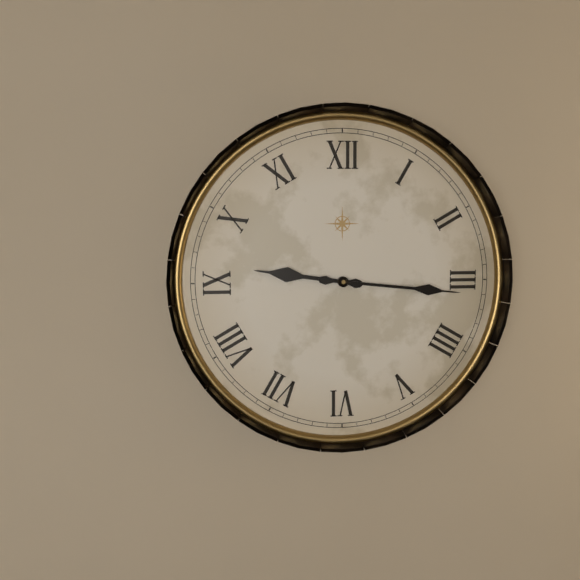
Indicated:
9:16
